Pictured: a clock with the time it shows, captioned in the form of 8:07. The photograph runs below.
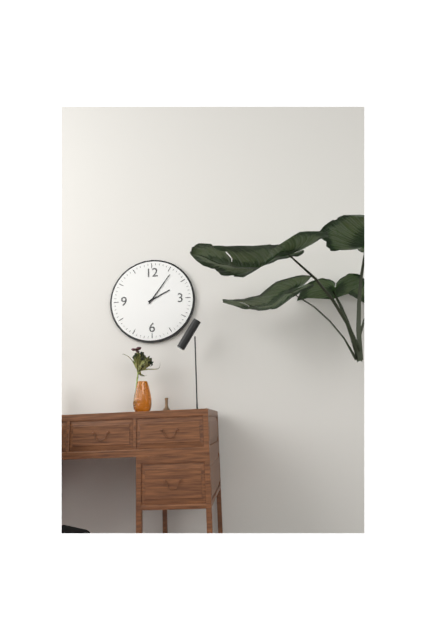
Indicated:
2:06
